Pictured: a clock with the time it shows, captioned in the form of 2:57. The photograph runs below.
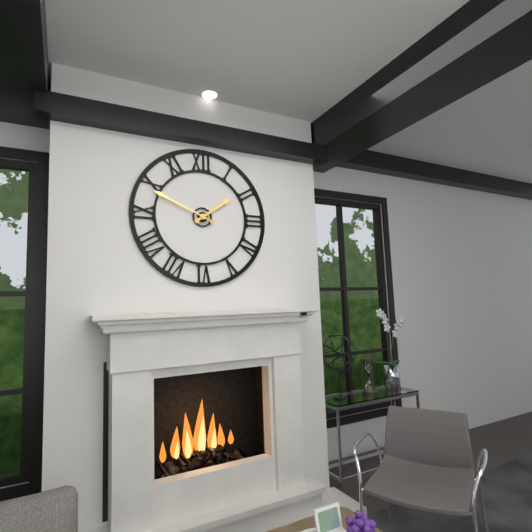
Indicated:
1:49
